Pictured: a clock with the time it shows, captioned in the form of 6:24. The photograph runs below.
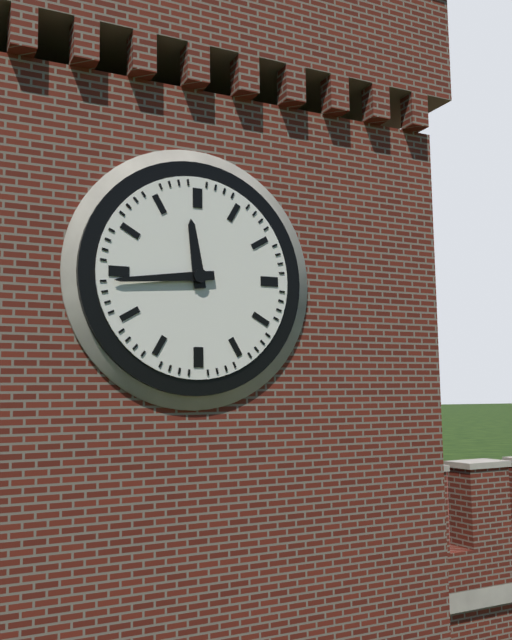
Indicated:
11:44
